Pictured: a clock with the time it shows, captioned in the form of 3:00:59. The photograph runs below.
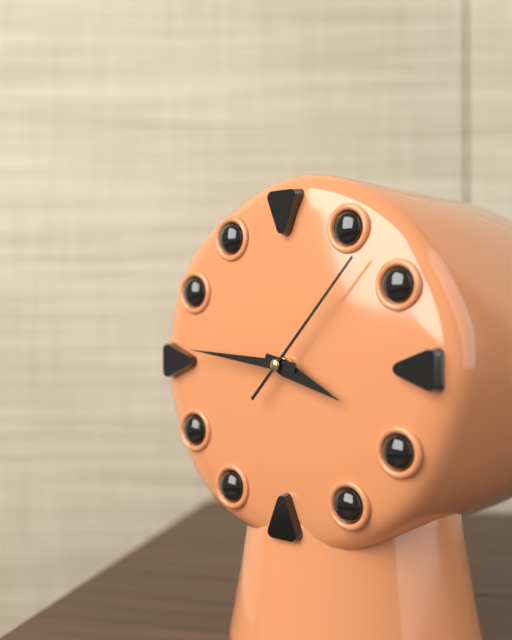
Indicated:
3:46:07
